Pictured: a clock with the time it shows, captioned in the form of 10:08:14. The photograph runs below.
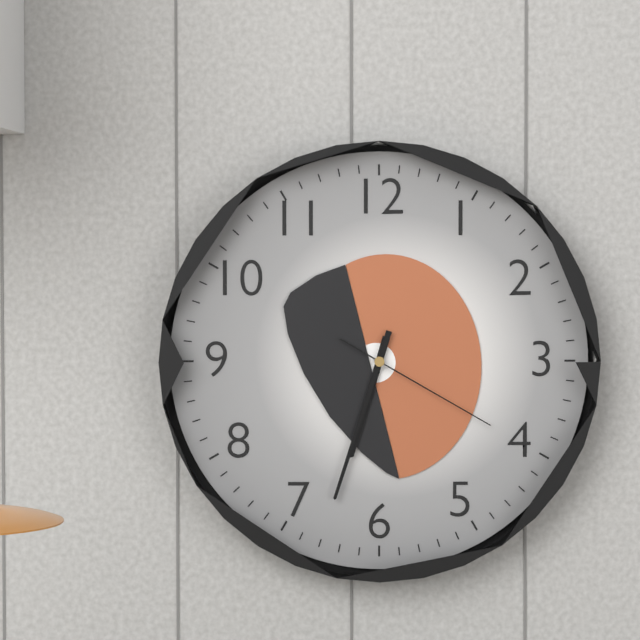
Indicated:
6:33:20
